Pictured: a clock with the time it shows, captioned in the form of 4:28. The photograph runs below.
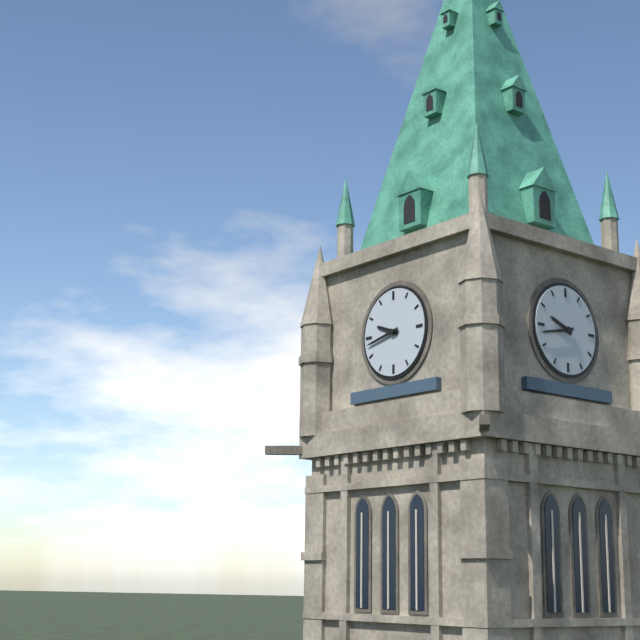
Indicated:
9:43
